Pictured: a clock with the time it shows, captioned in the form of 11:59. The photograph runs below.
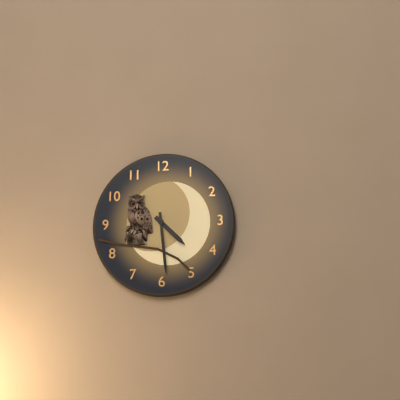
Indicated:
4:29
